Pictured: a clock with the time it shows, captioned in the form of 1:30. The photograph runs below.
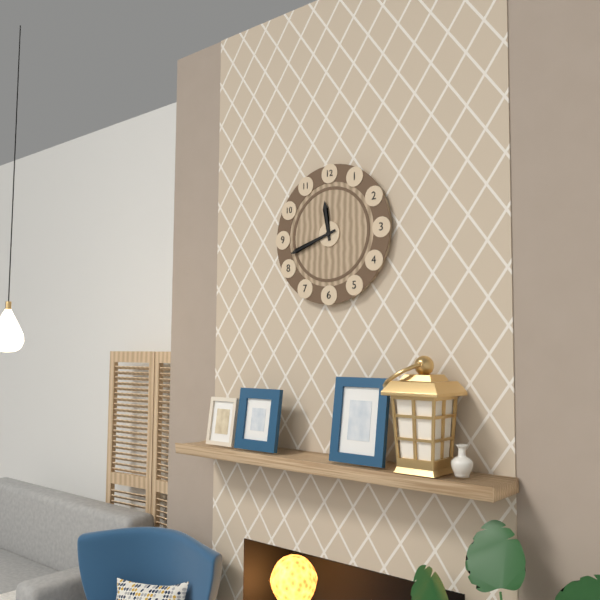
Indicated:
11:42
